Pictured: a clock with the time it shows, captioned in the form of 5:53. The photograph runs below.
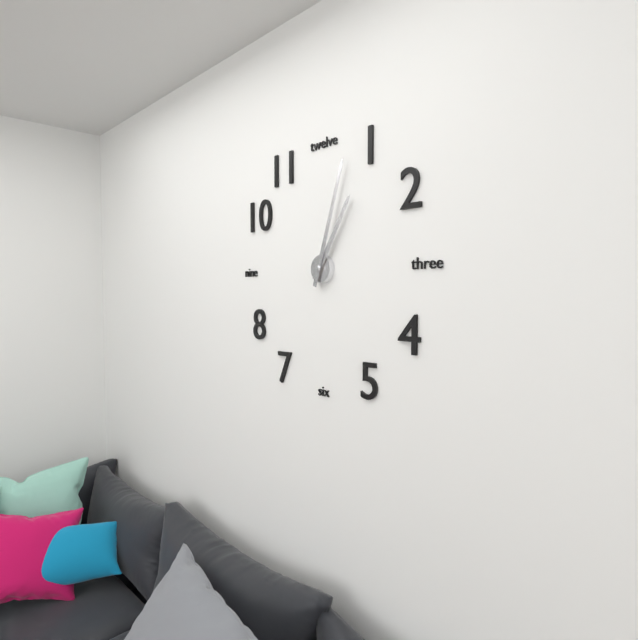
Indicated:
1:03
